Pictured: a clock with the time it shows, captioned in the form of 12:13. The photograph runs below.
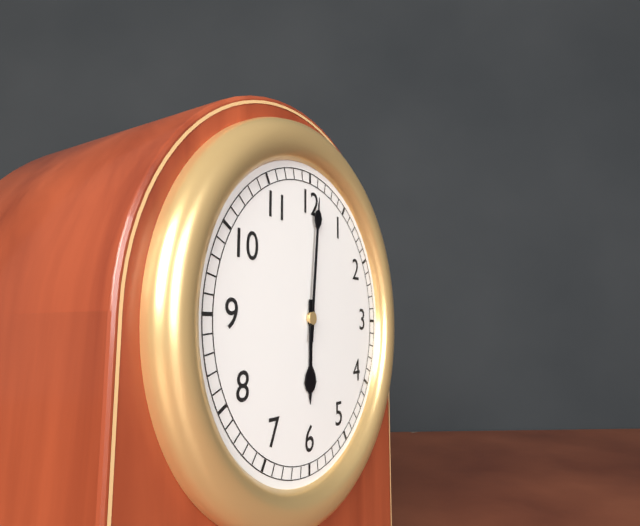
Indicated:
6:01
